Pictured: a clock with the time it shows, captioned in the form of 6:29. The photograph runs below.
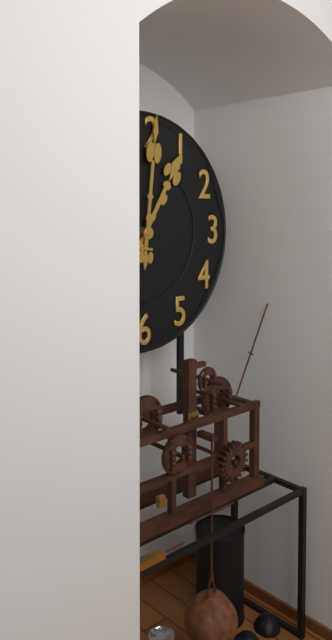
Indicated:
1:01
